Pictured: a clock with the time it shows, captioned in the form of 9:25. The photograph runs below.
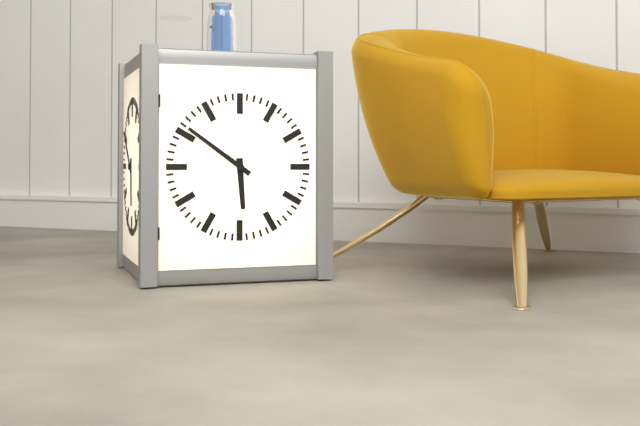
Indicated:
5:51
